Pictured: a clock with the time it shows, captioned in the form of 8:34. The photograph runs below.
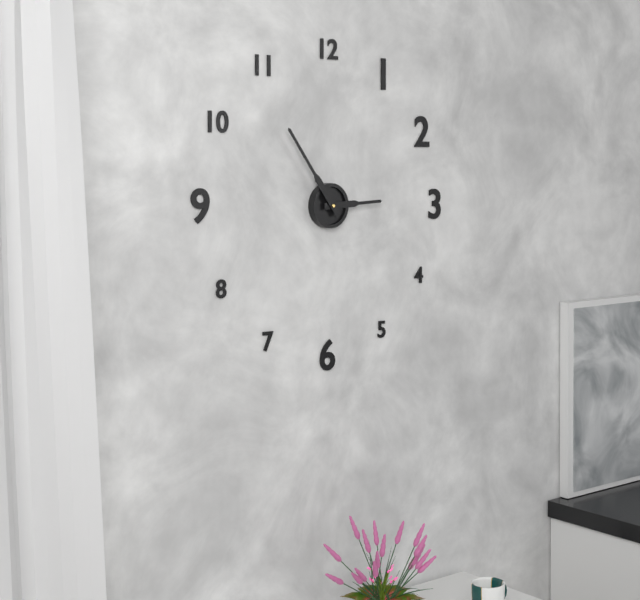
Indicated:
2:54
